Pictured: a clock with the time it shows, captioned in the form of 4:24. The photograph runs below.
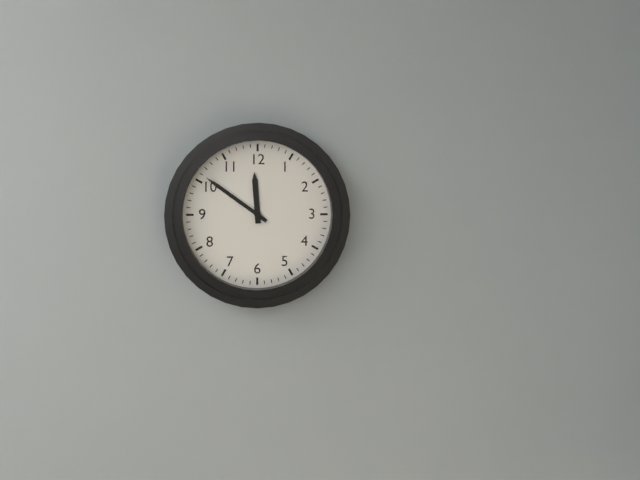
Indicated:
11:51
